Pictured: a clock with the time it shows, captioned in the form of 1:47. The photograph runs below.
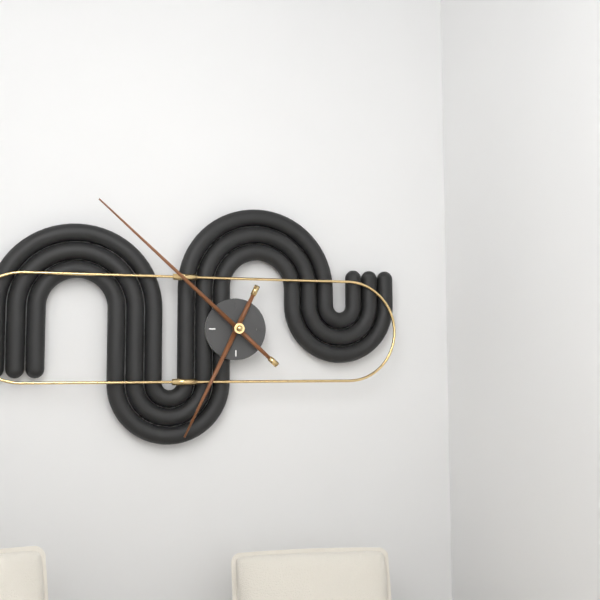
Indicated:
6:52
